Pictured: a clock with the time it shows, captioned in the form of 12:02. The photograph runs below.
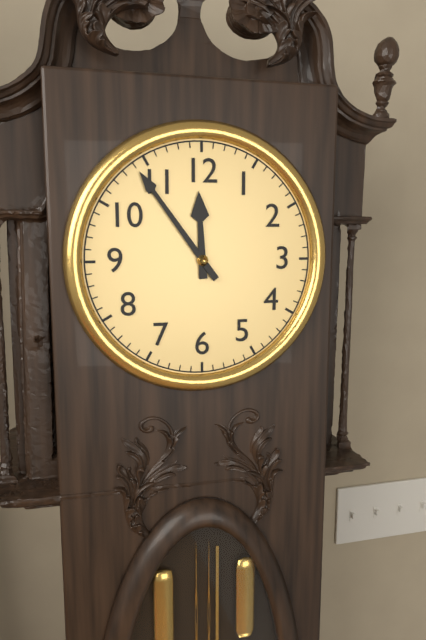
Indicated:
11:54
